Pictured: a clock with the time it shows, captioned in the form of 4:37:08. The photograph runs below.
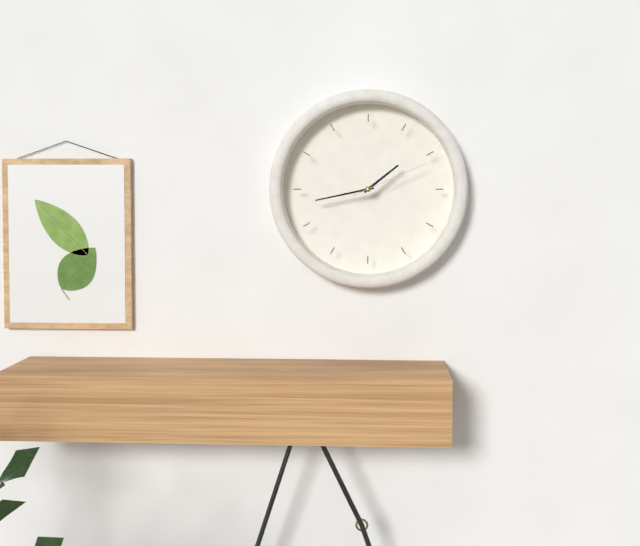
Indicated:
1:43:11
